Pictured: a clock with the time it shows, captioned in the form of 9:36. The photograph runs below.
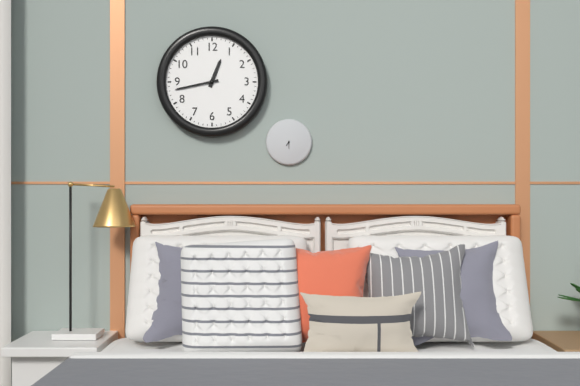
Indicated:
12:43
